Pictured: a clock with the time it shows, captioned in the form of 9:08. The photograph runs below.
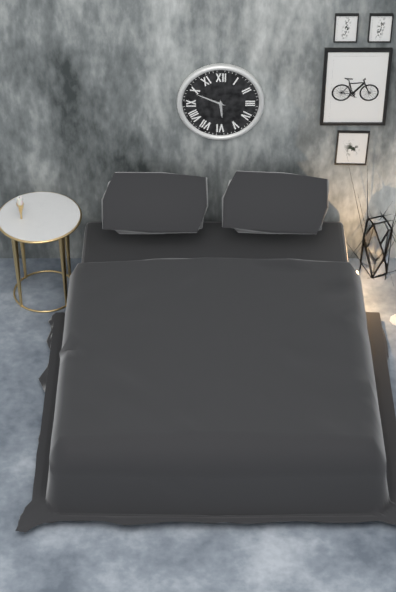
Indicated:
5:49
